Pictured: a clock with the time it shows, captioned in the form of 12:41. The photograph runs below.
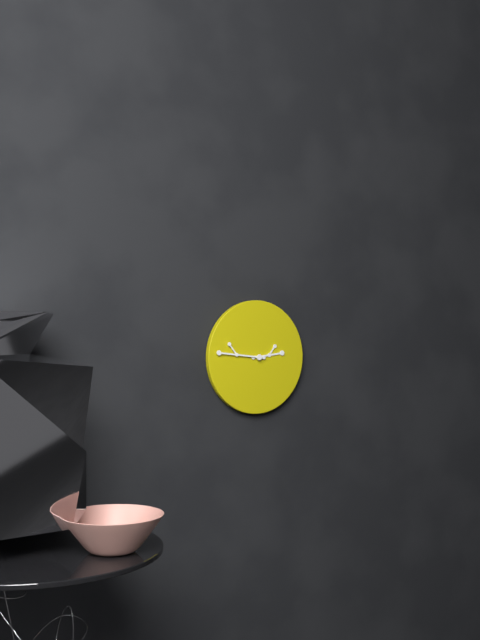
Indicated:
2:46
